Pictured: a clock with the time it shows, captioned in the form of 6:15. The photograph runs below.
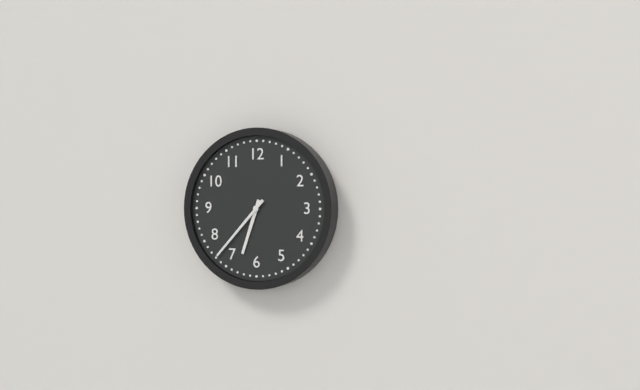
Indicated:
6:37
